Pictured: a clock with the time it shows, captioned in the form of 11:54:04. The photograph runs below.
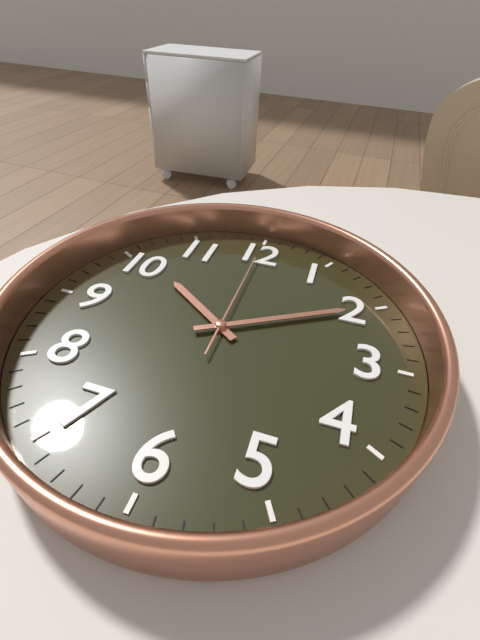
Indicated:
10:10:00
